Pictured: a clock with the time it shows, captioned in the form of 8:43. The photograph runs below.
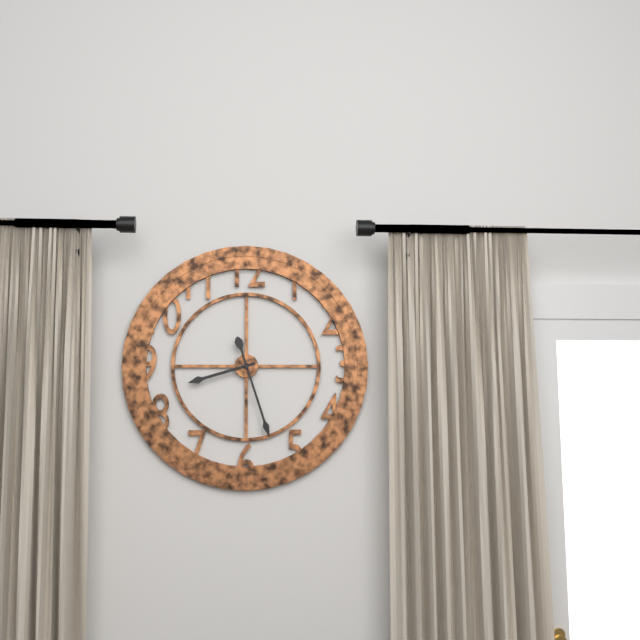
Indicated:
8:27
